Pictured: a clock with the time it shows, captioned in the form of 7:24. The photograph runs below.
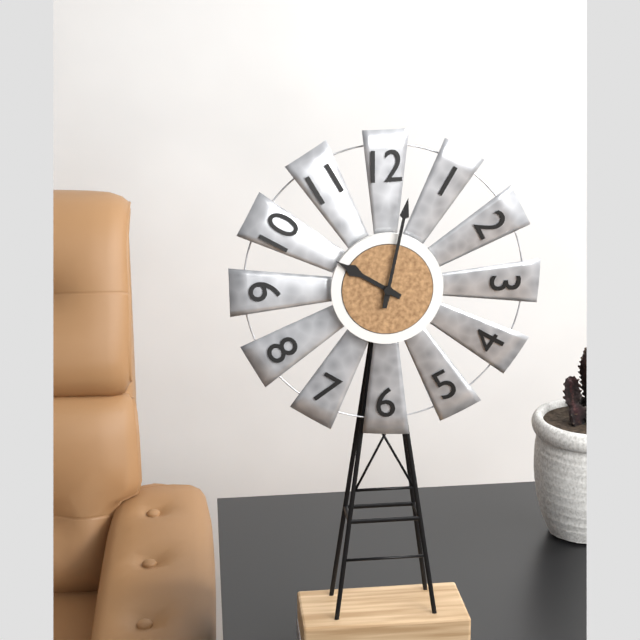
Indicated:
10:02
